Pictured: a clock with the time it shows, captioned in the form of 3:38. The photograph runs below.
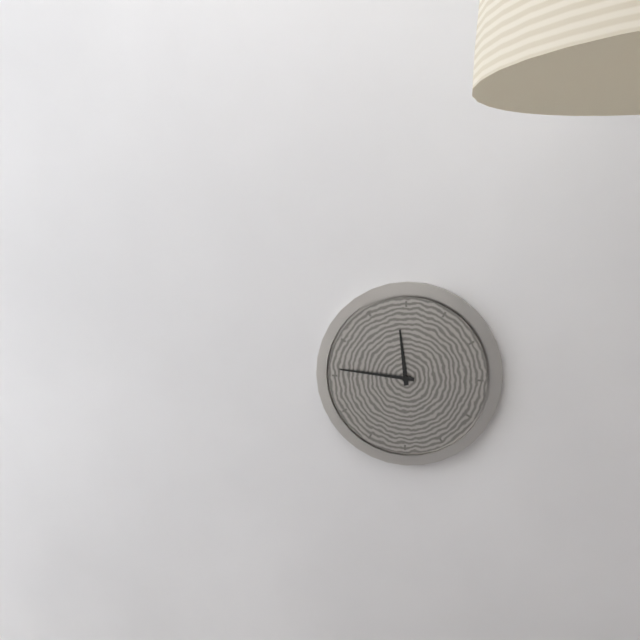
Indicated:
11:46
